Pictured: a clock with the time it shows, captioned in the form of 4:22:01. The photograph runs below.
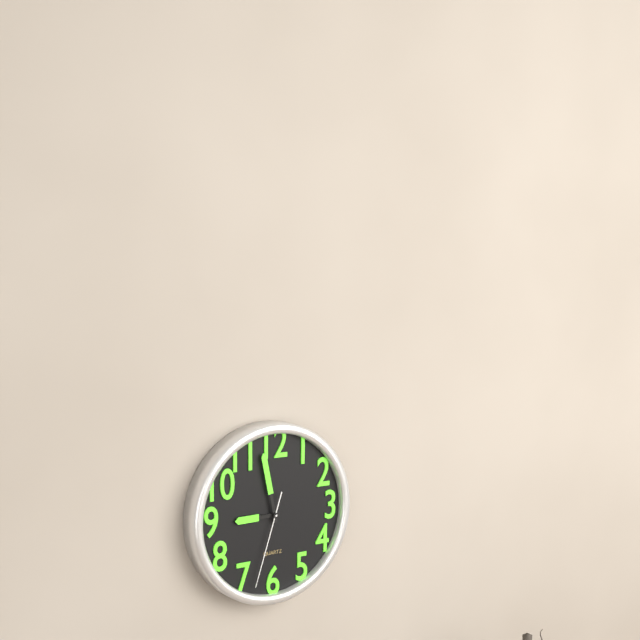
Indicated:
8:58:33
